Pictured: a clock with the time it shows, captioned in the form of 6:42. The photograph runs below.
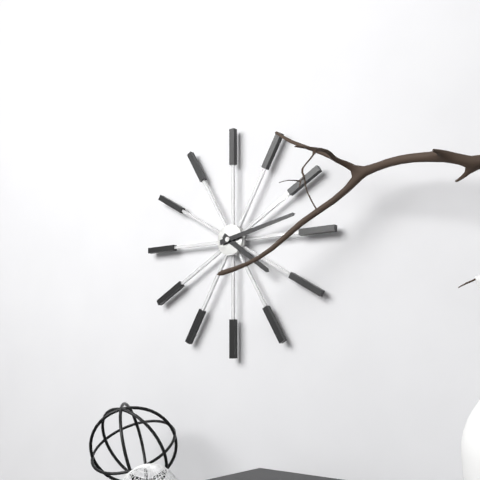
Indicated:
4:13
